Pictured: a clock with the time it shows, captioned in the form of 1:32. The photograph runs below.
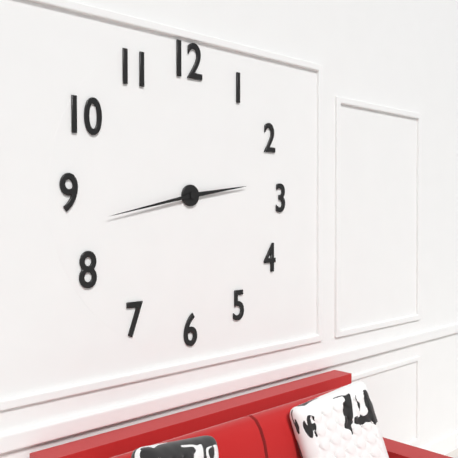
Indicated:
2:43
